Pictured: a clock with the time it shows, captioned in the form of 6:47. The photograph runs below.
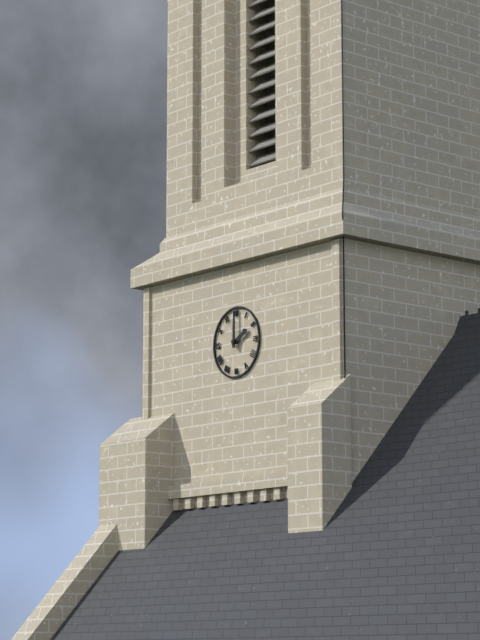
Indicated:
2:00
